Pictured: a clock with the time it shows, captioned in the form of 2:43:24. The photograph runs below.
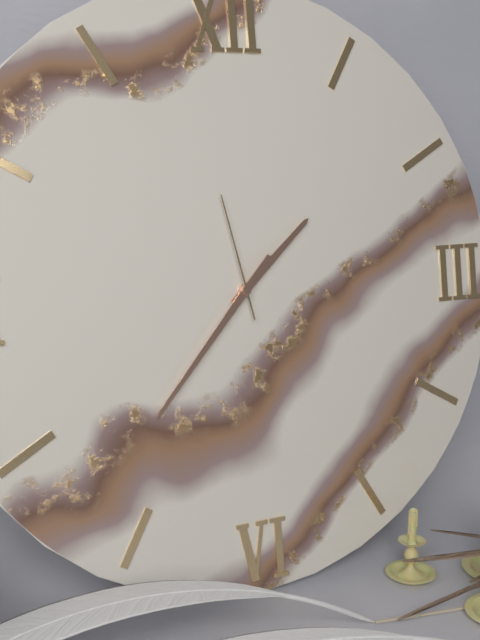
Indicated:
1:37:58
